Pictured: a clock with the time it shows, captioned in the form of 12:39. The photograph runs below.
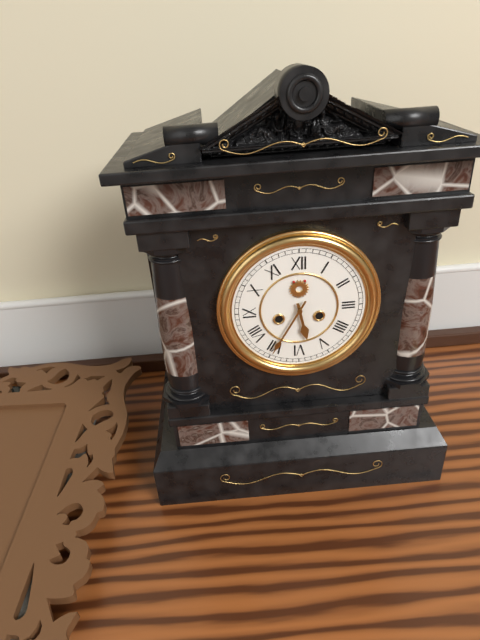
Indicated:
5:35
